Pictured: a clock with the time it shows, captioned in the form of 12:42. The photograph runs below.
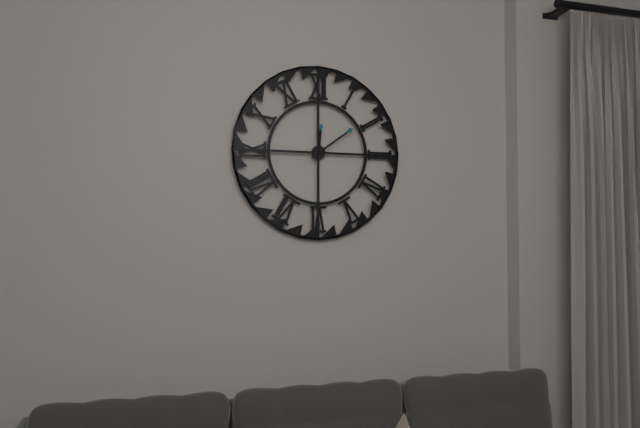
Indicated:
12:09
